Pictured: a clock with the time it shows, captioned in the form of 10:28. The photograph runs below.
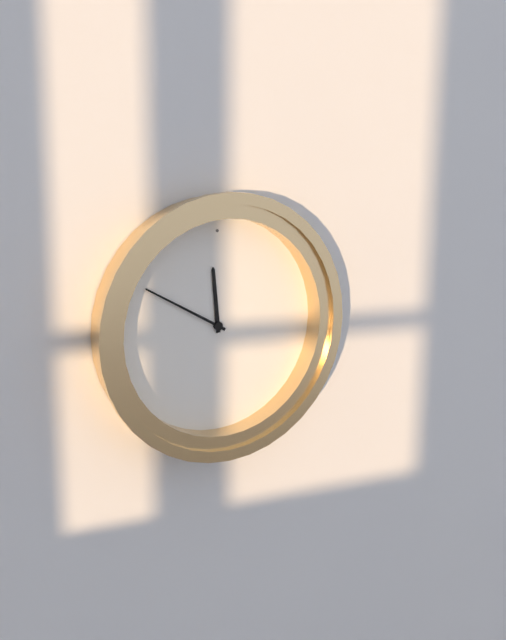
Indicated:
11:50
